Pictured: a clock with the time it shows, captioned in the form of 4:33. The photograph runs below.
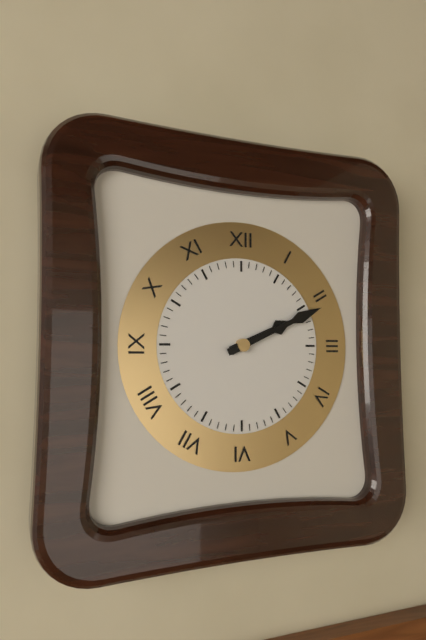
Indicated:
2:11
